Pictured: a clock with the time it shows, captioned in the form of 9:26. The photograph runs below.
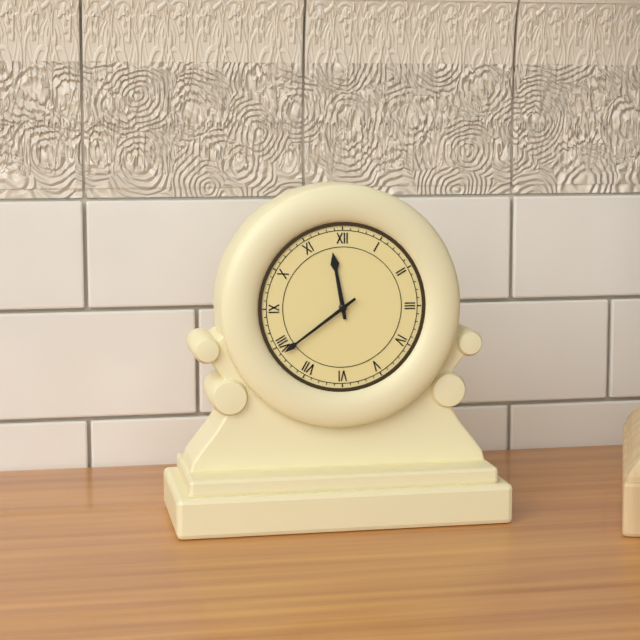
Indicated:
11:39
